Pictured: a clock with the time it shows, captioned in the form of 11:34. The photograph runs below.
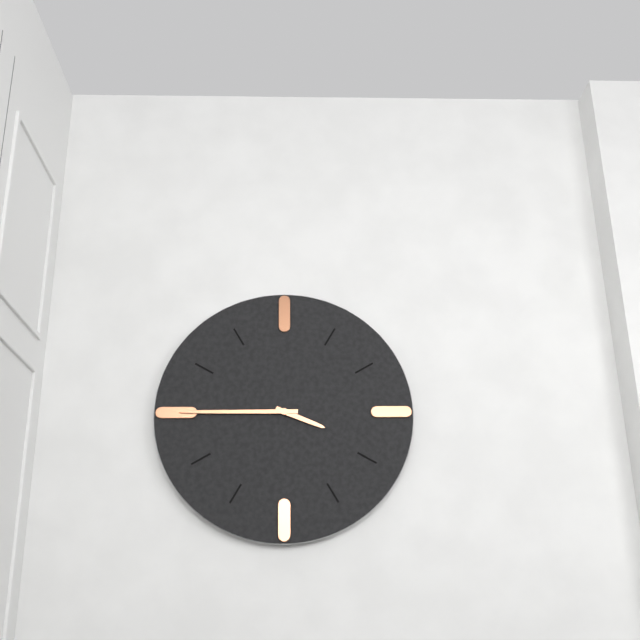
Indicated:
3:45
